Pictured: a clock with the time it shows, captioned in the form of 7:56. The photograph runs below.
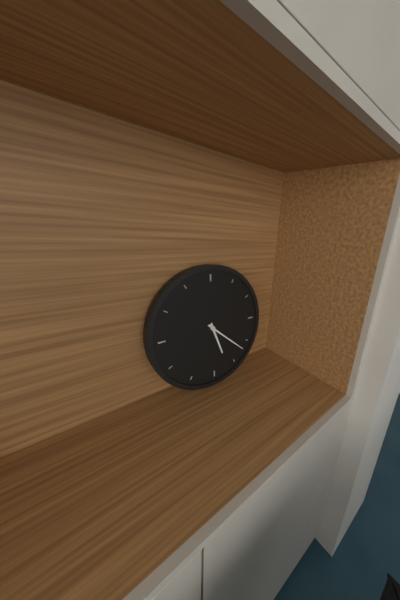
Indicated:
5:22
